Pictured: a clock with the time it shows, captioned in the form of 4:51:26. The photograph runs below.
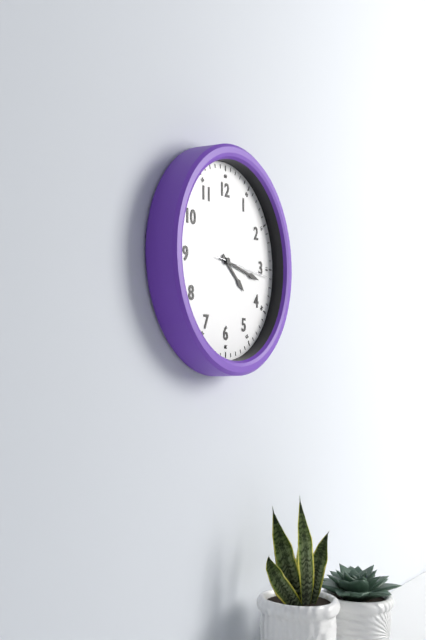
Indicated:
4:17:16
